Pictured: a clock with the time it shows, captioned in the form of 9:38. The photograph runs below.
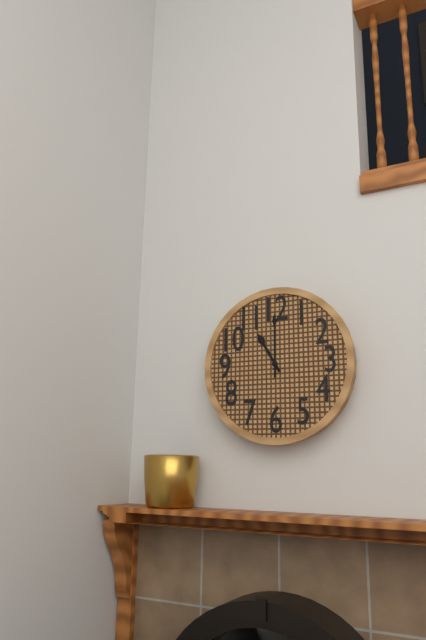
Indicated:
11:00
